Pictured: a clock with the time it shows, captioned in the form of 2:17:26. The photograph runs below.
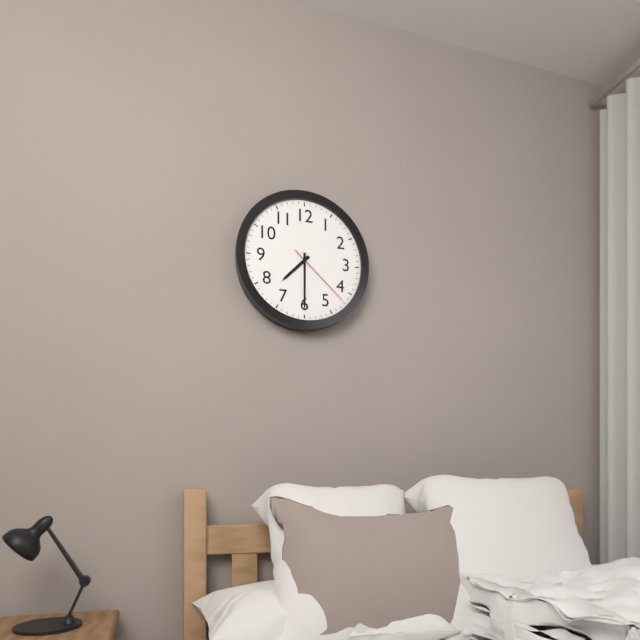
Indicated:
7:30:22
